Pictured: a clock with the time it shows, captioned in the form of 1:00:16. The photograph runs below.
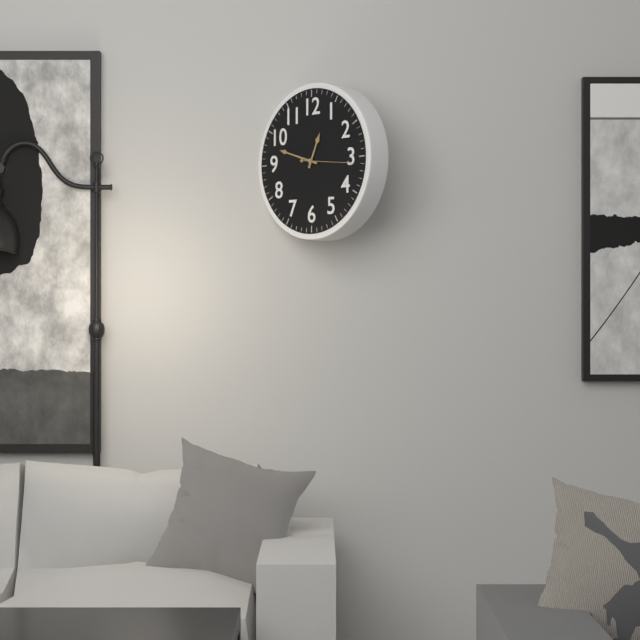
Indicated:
12:48:16
